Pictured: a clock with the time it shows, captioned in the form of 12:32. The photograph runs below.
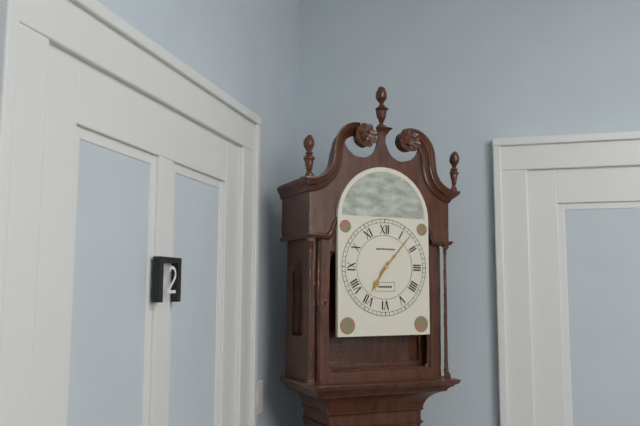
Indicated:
7:07
